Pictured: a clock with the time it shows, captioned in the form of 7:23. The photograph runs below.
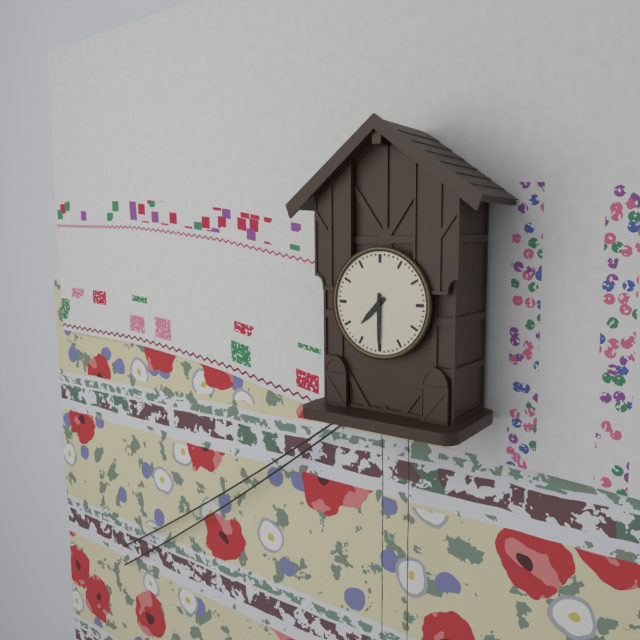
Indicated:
7:30
